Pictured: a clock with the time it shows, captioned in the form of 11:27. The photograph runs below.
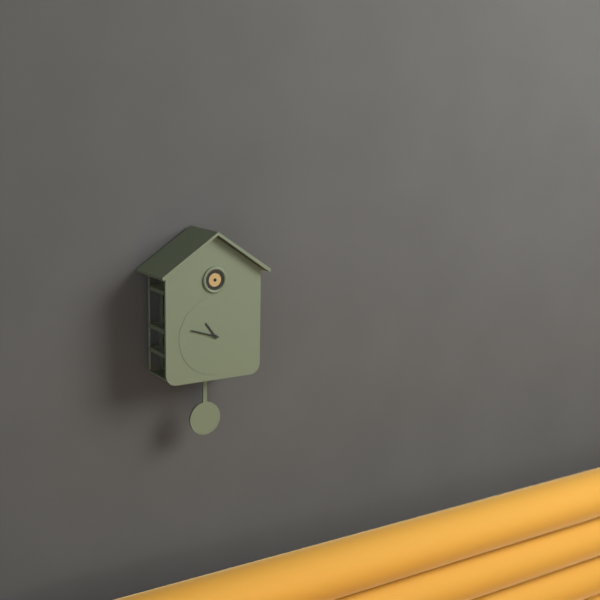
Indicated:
10:48
